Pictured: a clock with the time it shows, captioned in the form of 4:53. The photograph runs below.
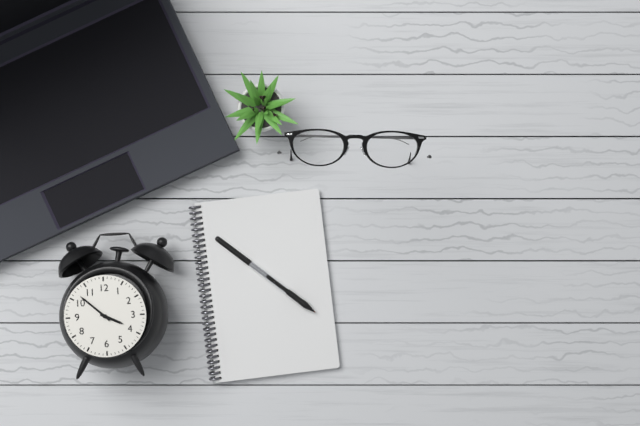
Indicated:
3:52
